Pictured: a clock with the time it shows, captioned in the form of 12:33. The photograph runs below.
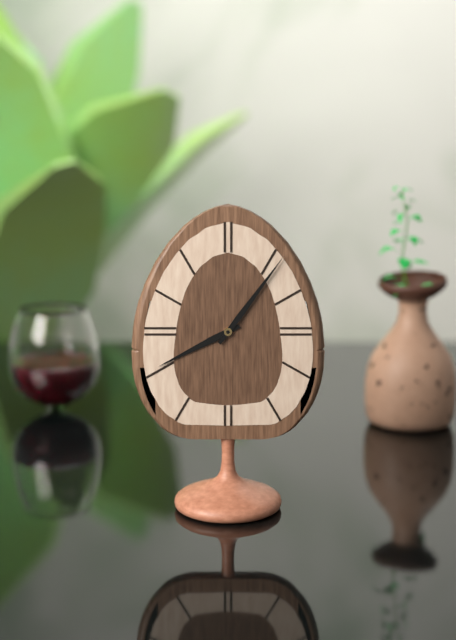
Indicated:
8:06
